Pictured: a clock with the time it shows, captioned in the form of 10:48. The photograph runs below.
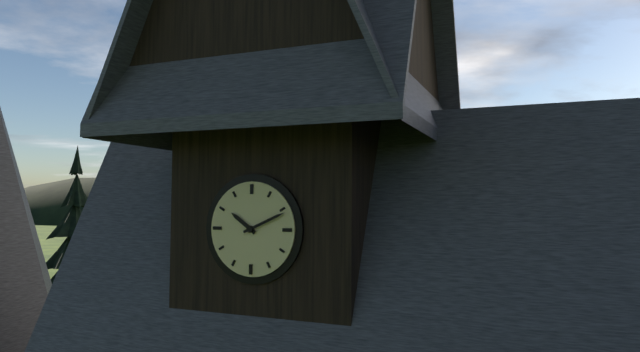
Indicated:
10:11
